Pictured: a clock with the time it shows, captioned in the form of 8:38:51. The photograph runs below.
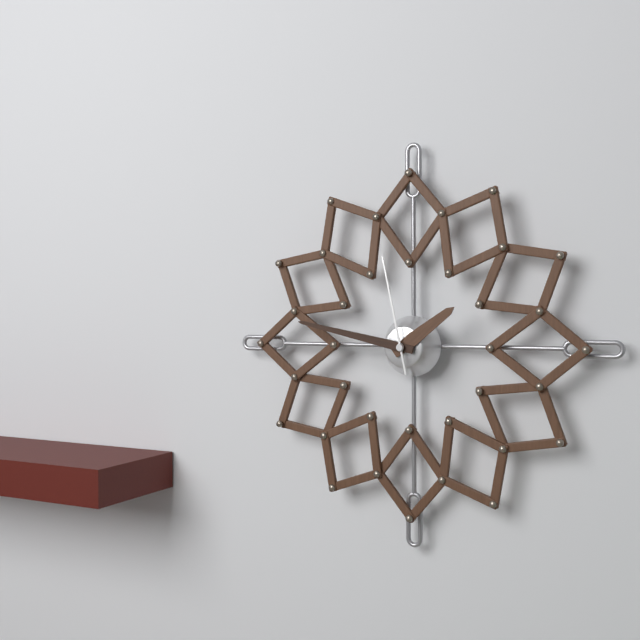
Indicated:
1:47:58
